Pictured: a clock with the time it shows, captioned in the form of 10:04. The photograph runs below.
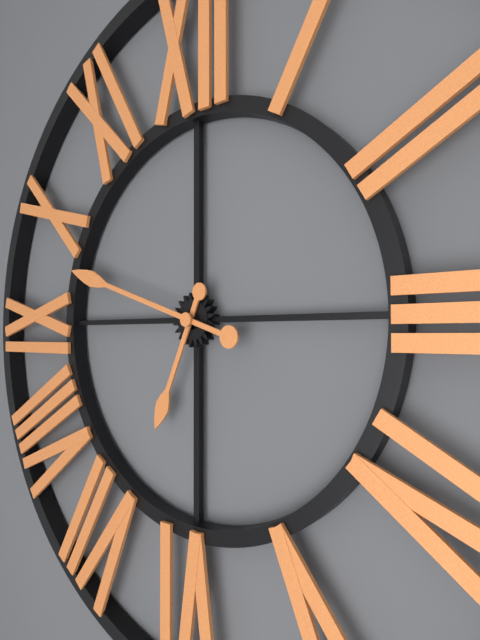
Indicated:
6:48
